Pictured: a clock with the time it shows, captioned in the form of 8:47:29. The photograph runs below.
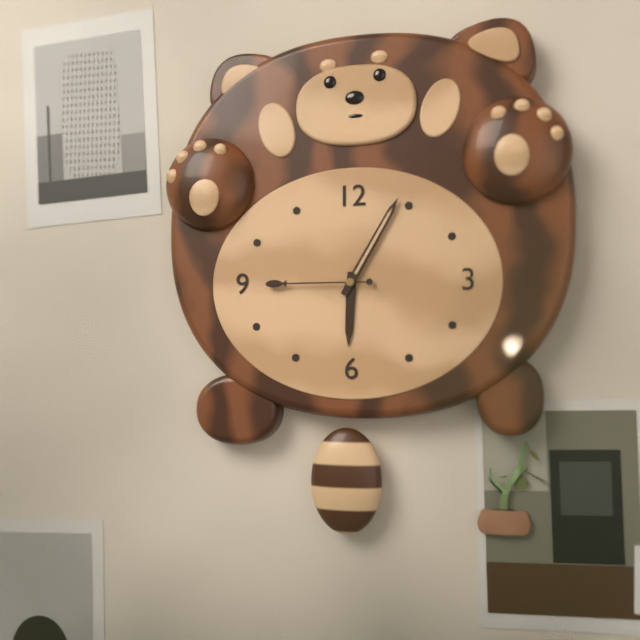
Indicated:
6:05:45
